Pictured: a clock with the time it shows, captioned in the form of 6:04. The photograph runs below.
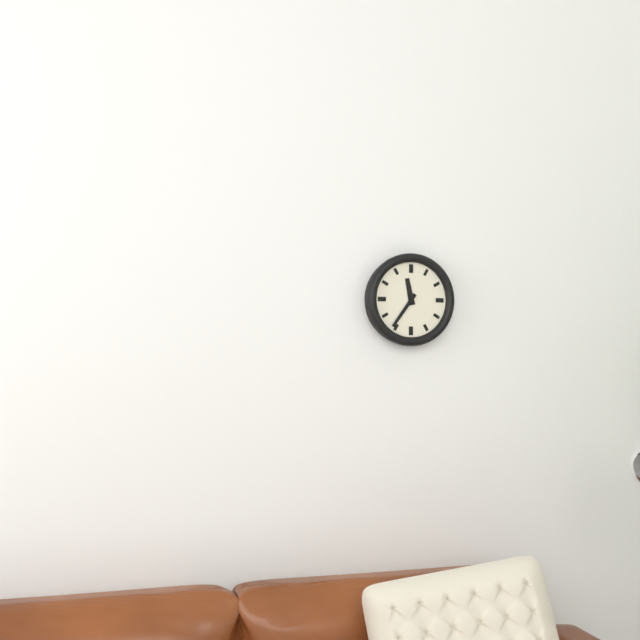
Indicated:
11:36
